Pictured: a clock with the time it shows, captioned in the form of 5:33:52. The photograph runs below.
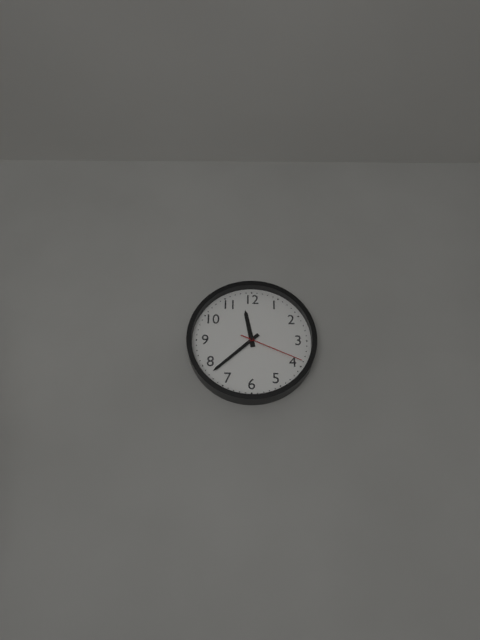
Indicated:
11:38:19
